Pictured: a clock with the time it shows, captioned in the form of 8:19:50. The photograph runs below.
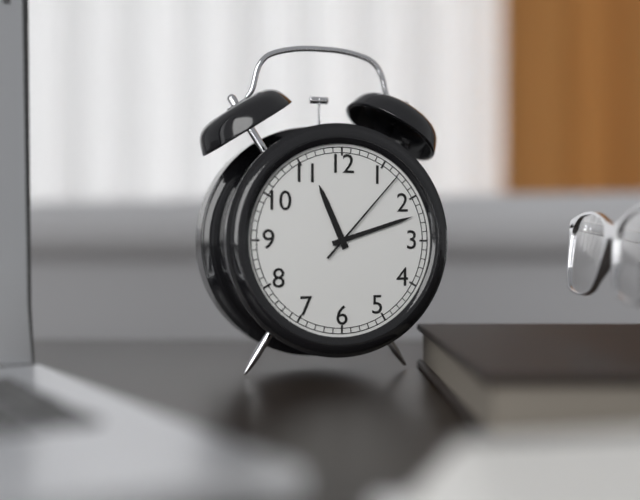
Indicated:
11:12:07
